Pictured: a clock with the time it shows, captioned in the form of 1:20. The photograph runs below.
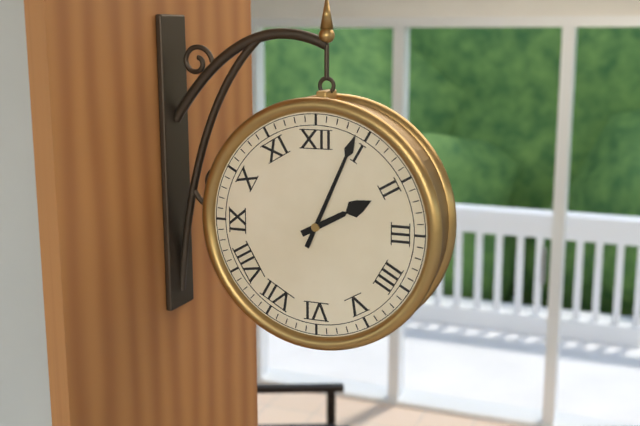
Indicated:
2:04
